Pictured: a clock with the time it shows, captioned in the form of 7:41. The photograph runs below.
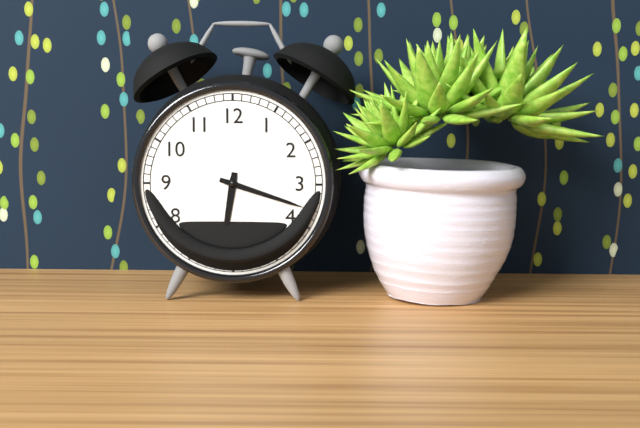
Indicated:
6:18
